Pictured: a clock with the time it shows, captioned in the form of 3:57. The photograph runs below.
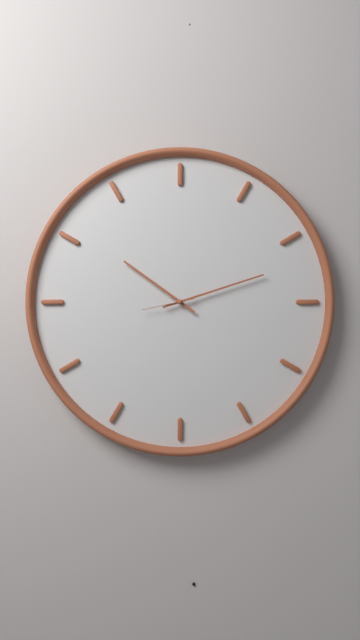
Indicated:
10:12
